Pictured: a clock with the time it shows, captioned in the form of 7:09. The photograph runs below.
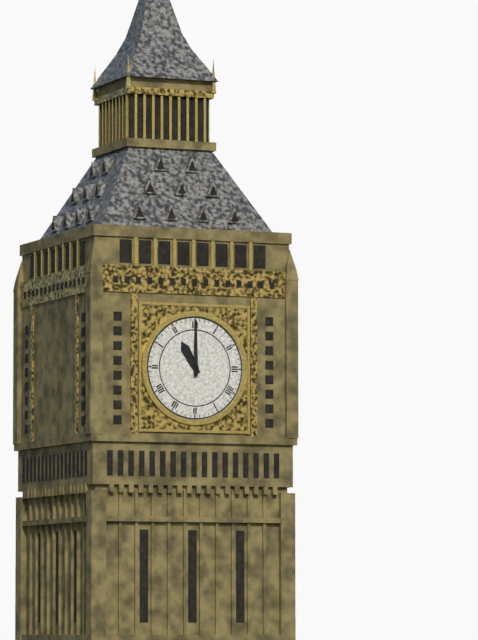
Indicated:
11:00
